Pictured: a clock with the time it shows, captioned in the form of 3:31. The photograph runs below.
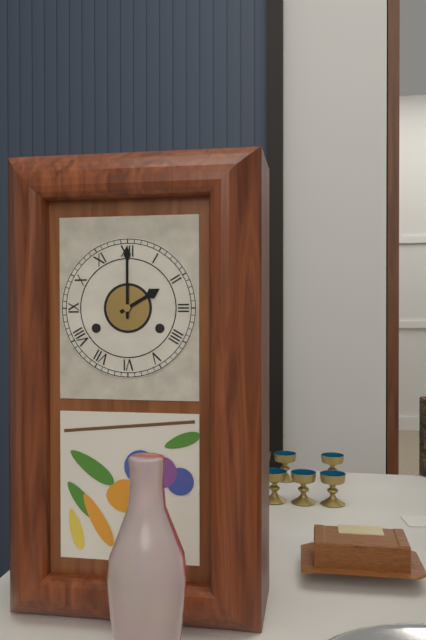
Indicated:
2:00
